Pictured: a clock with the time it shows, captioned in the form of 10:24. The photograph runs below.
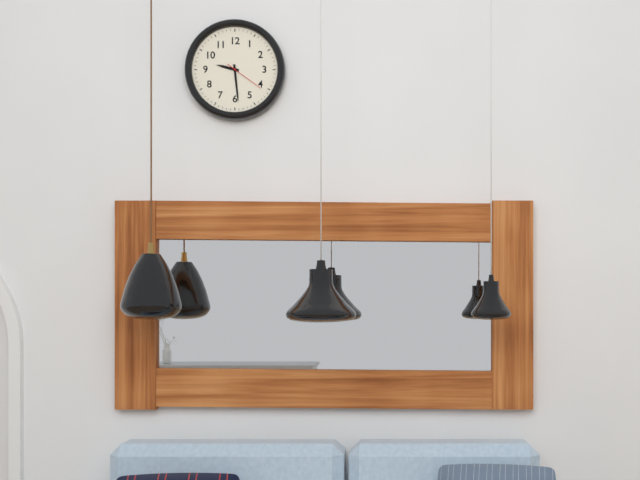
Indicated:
9:29
